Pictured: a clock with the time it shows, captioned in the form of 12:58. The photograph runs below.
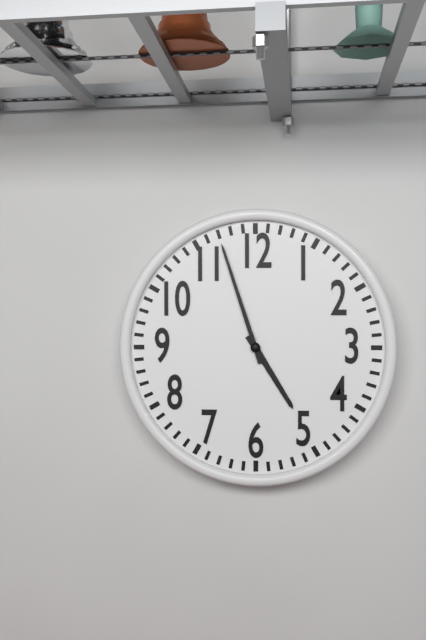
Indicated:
4:57
